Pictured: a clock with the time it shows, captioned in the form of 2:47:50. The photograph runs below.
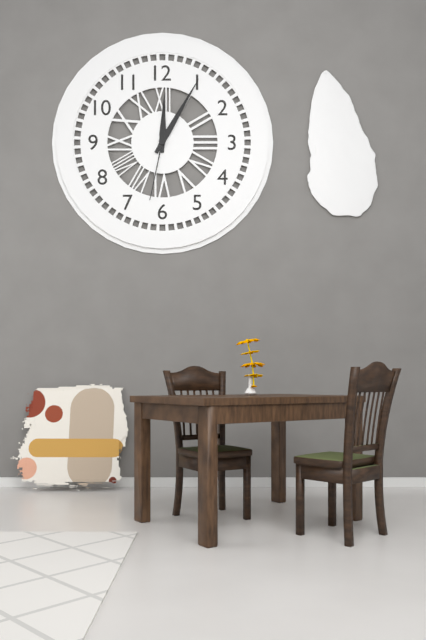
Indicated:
12:05:32
